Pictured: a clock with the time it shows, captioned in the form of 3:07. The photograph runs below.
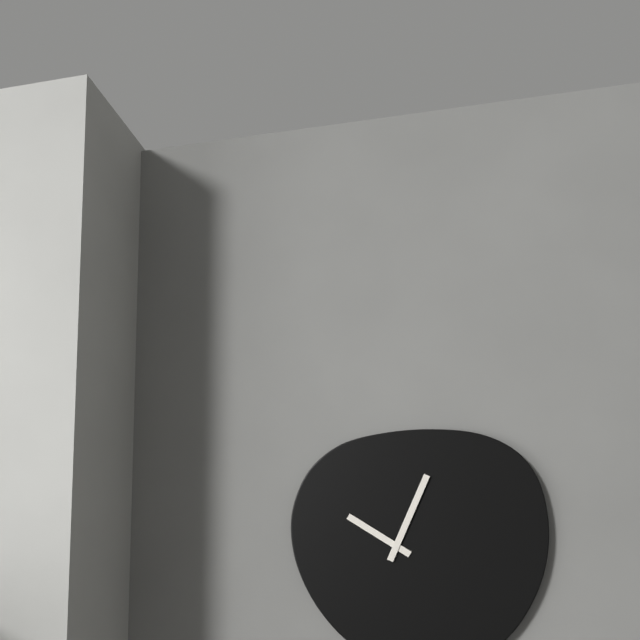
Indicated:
10:04
